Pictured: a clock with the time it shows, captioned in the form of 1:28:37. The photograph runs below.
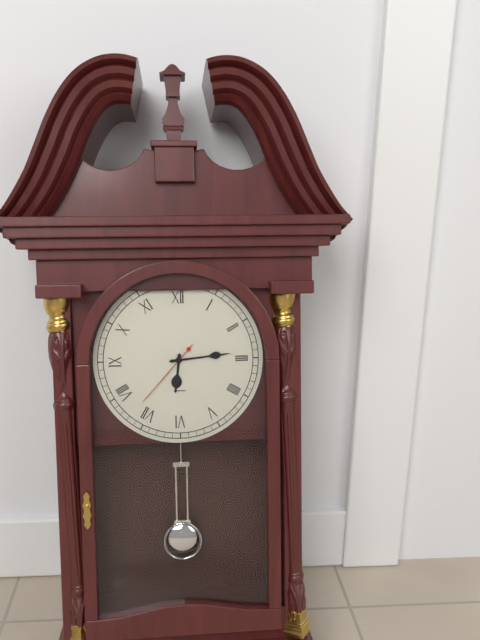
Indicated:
6:14:37
